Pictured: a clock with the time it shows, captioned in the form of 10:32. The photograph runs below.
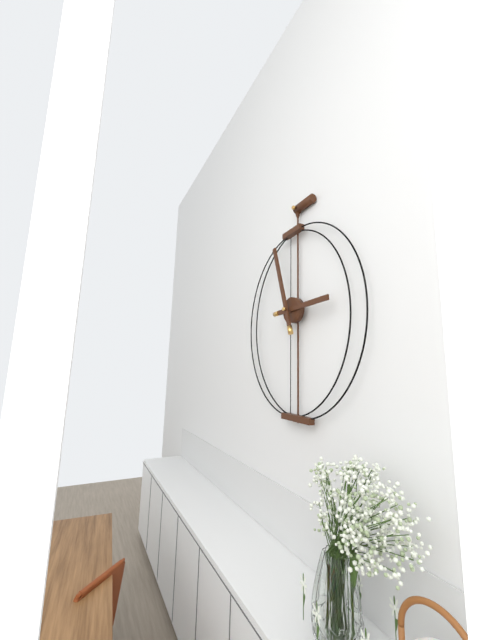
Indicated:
2:57
